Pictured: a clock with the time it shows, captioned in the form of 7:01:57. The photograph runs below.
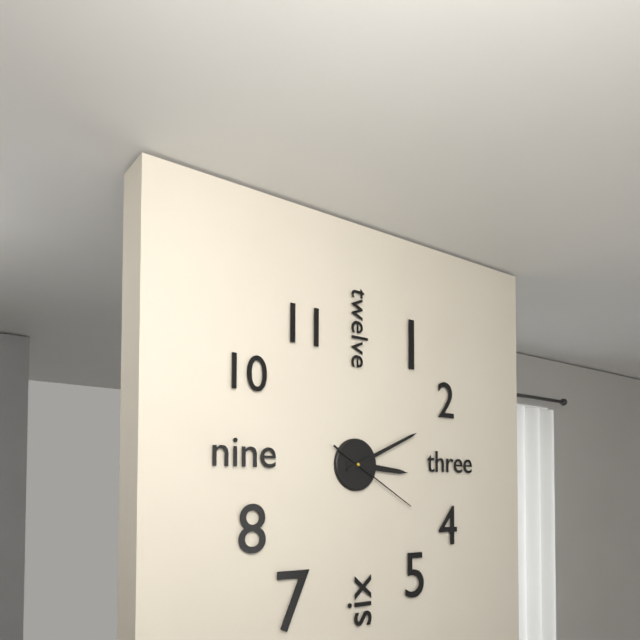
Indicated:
3:11:20
